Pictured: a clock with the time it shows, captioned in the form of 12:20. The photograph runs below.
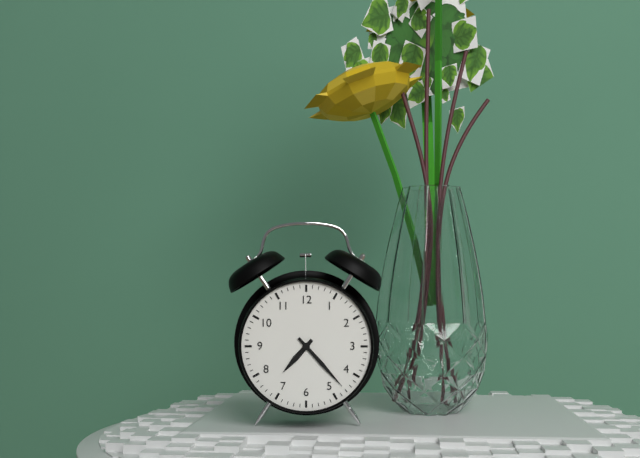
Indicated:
7:23
